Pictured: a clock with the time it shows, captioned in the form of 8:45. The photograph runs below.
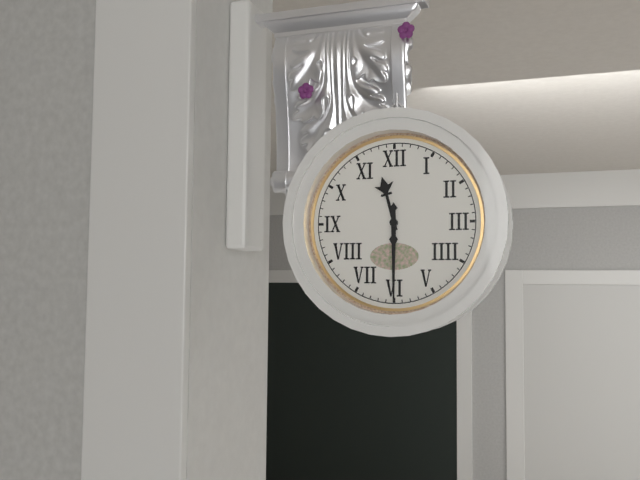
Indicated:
11:30
